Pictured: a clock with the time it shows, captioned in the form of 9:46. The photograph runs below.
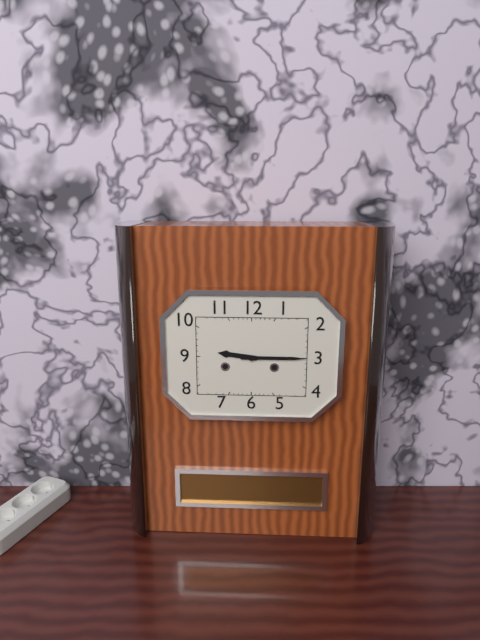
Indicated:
9:15
